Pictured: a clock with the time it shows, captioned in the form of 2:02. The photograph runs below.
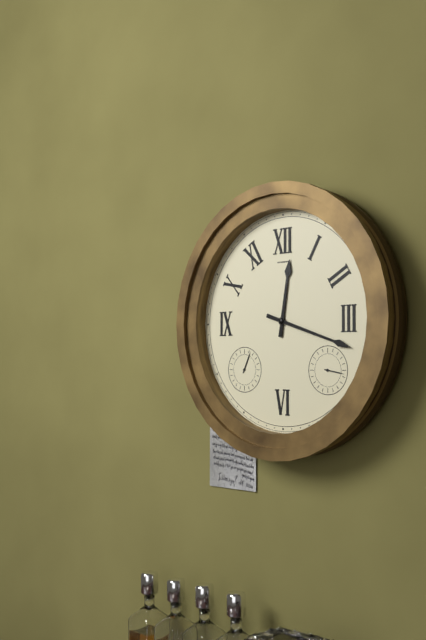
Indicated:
12:18
